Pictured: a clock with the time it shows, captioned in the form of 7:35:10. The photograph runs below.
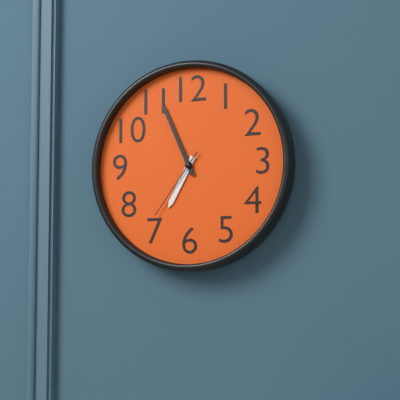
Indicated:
6:56:36
